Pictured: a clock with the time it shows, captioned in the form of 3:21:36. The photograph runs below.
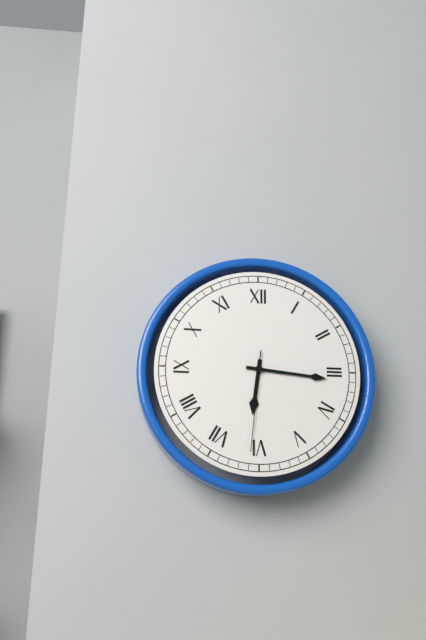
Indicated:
6:16:31
